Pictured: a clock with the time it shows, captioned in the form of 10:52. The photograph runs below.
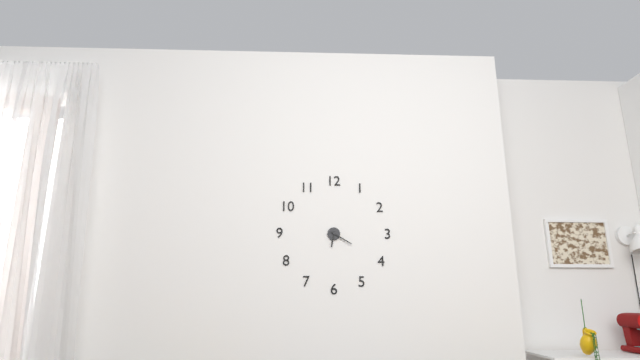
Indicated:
6:20
